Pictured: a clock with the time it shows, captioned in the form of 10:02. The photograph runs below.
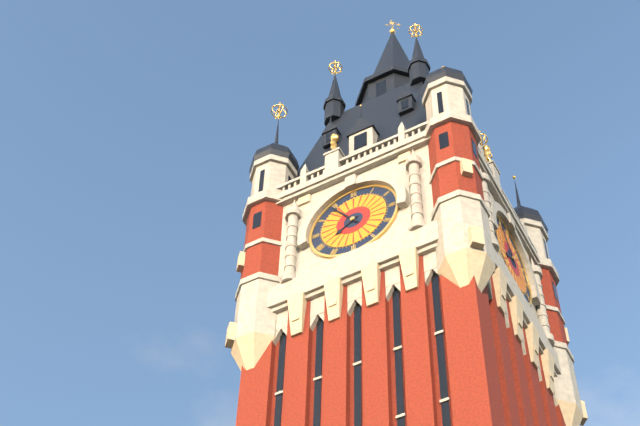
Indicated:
7:54
